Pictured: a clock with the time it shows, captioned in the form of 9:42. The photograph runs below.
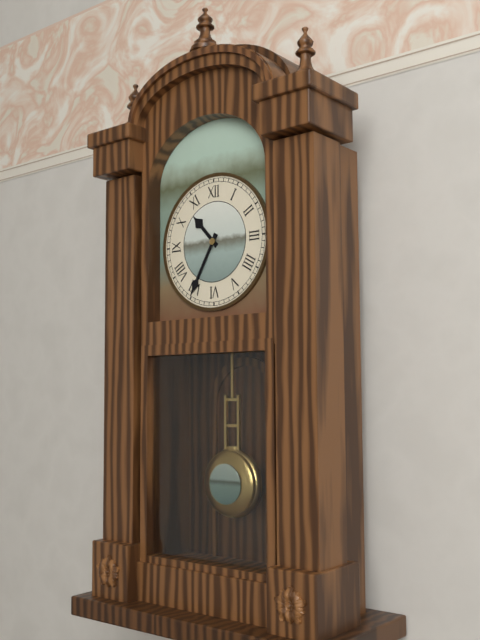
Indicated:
10:35
